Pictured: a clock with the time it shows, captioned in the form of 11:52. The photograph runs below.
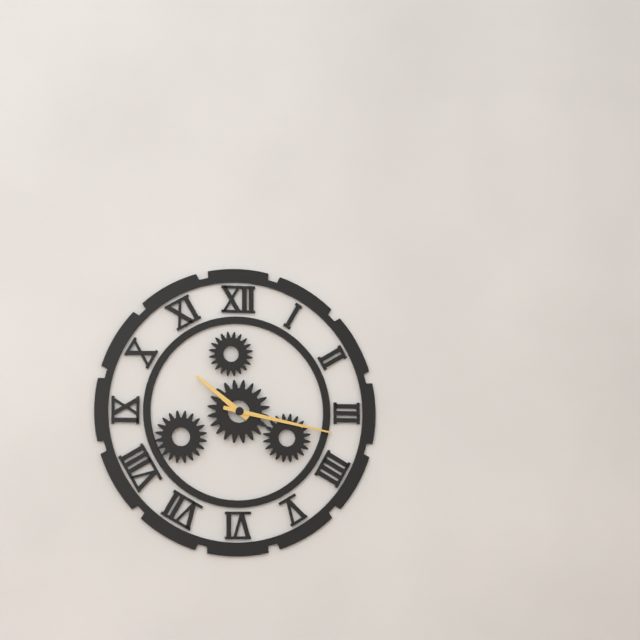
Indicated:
10:17
